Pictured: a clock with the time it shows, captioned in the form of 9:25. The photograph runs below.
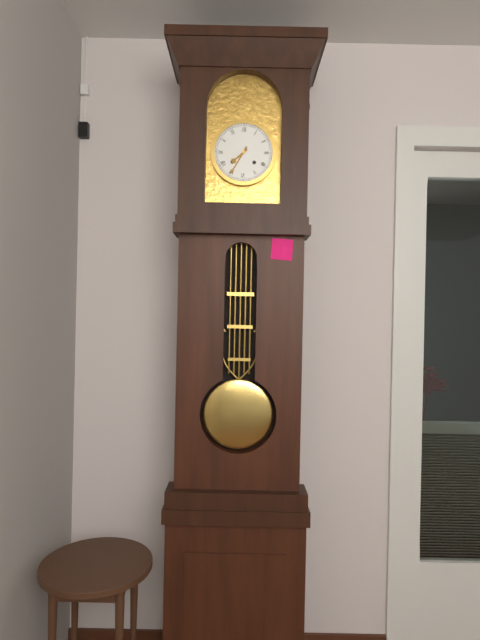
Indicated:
7:35
